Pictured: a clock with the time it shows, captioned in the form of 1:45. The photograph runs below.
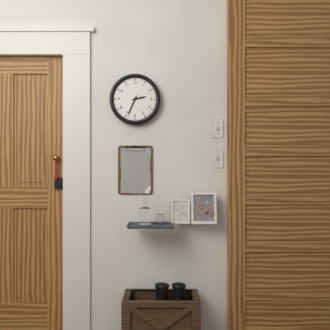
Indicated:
2:34
